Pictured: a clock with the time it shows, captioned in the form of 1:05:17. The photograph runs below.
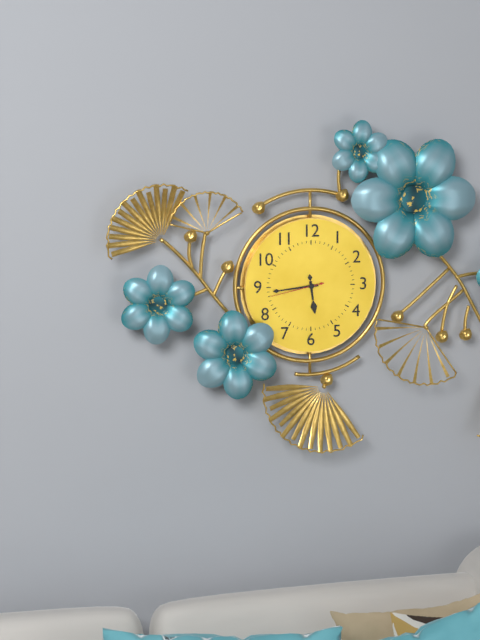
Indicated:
5:44:43
